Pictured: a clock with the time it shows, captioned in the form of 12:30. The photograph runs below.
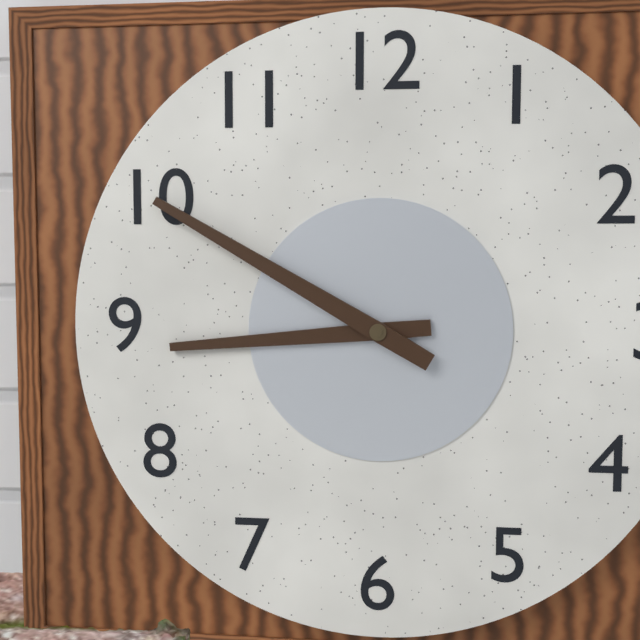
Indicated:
8:50
